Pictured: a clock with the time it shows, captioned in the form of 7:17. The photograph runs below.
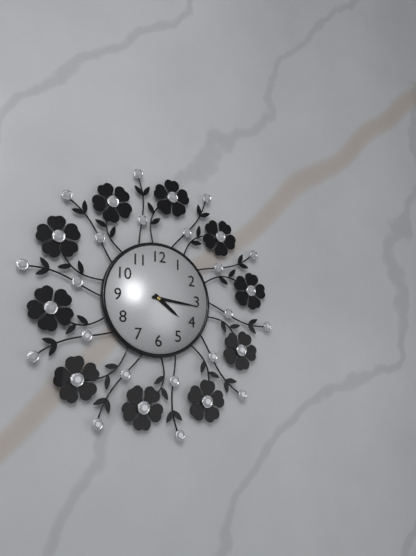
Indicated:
4:16
